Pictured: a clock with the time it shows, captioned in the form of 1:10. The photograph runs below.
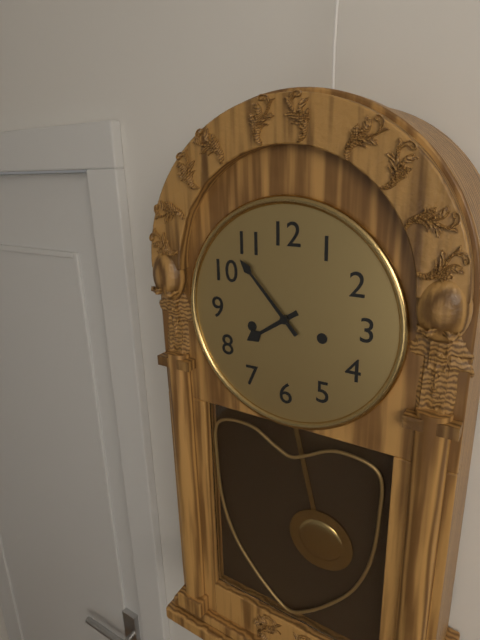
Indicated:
7:53
